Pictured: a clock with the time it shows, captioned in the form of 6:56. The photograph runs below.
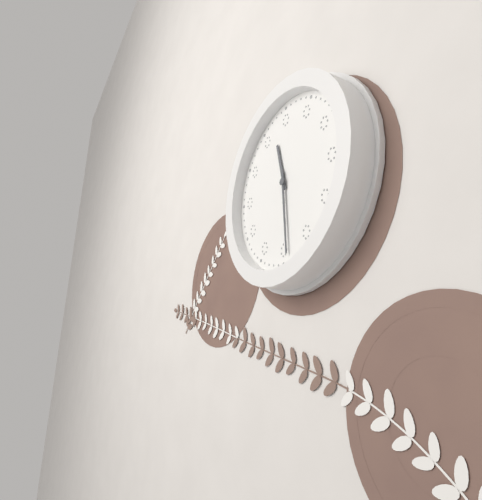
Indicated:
11:29
